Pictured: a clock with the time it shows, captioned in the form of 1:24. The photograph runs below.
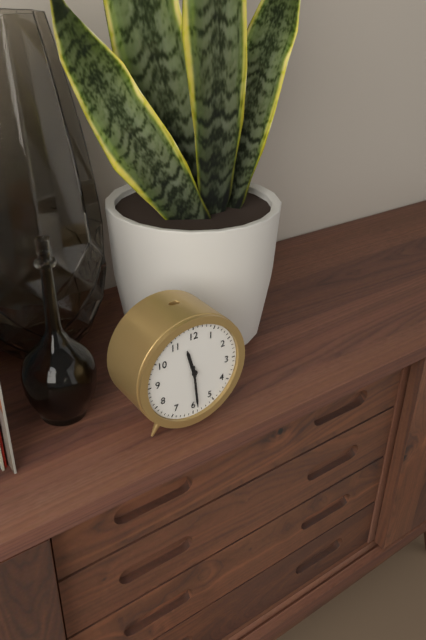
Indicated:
11:29
